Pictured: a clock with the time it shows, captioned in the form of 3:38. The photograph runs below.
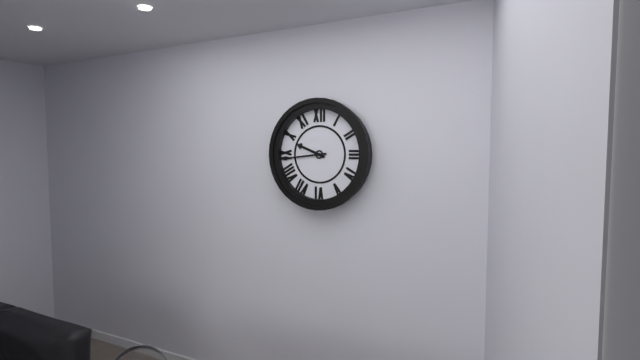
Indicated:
9:44
